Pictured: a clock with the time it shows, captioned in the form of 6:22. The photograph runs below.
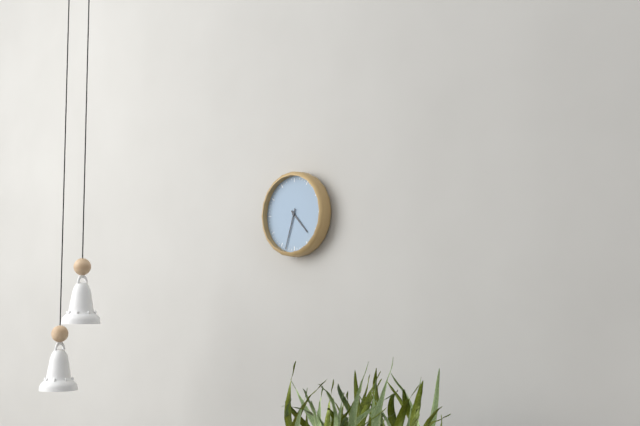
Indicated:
4:33
